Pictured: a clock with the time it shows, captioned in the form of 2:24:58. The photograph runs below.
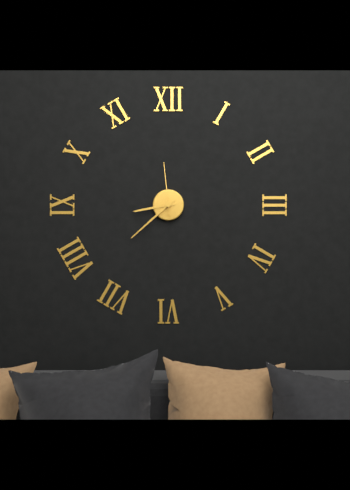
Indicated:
8:38:59
